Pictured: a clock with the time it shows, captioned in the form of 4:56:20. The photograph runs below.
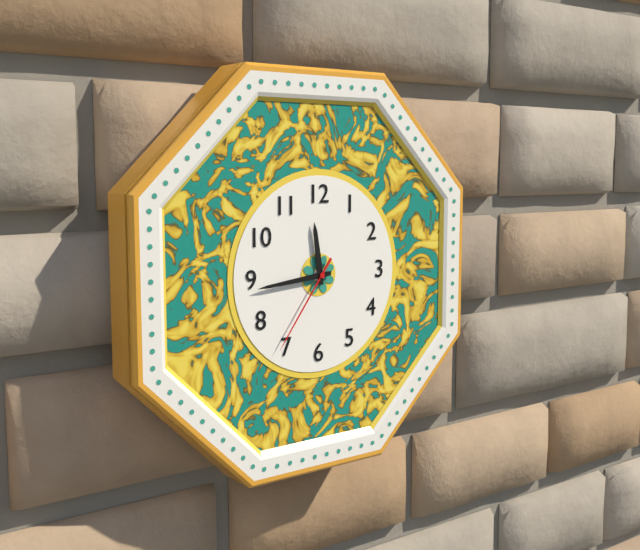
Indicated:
11:44:36
